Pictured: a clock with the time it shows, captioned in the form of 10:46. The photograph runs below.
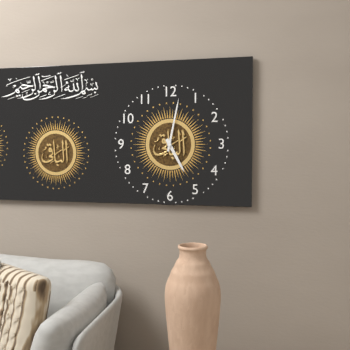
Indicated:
5:02
